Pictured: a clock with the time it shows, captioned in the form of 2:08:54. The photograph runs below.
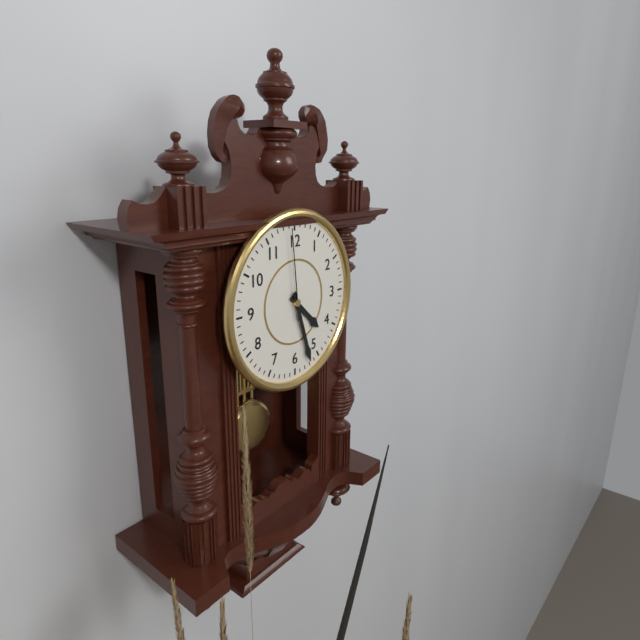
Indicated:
4:27:59
